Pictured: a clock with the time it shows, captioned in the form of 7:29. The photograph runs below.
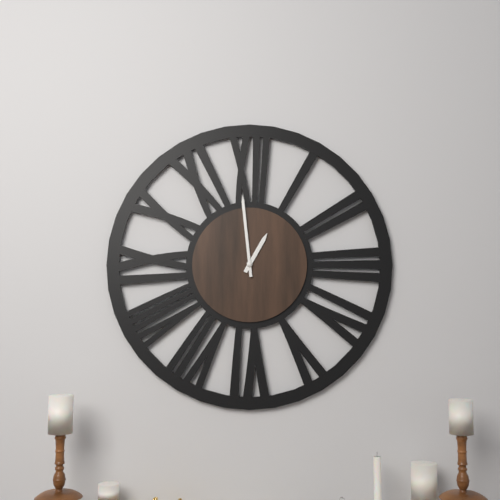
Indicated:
12:59
